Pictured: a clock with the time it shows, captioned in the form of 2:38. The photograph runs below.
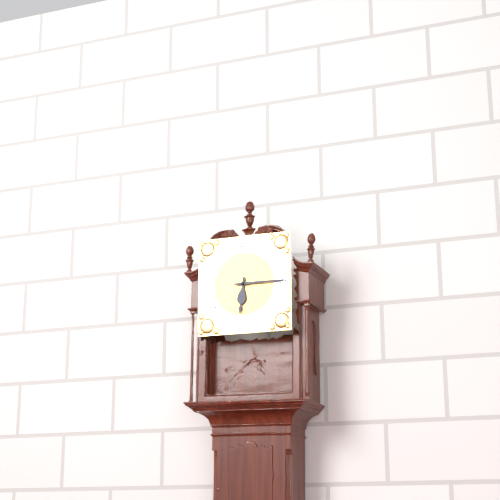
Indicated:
6:15
